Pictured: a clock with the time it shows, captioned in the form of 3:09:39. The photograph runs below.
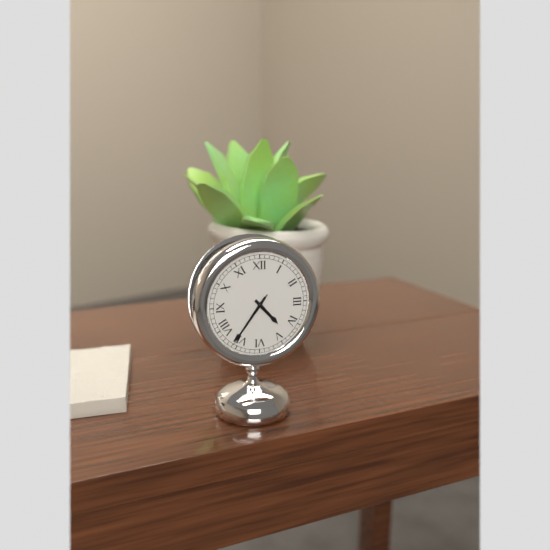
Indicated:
4:36:36
